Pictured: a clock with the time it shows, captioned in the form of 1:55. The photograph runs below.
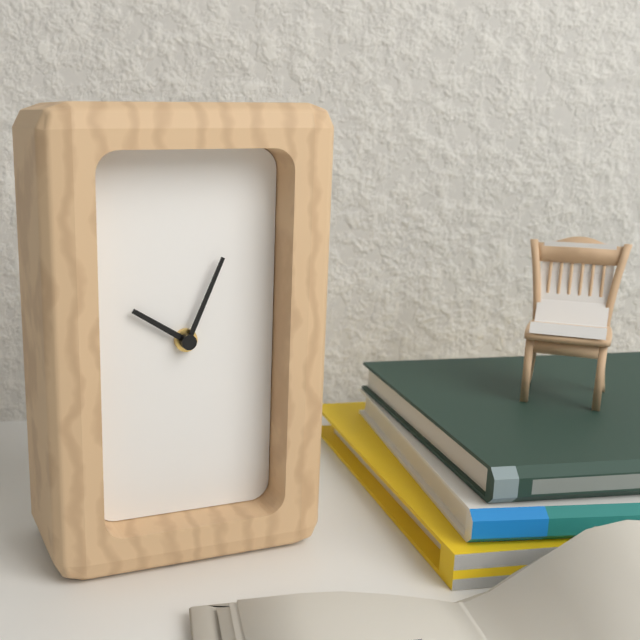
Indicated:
10:04
